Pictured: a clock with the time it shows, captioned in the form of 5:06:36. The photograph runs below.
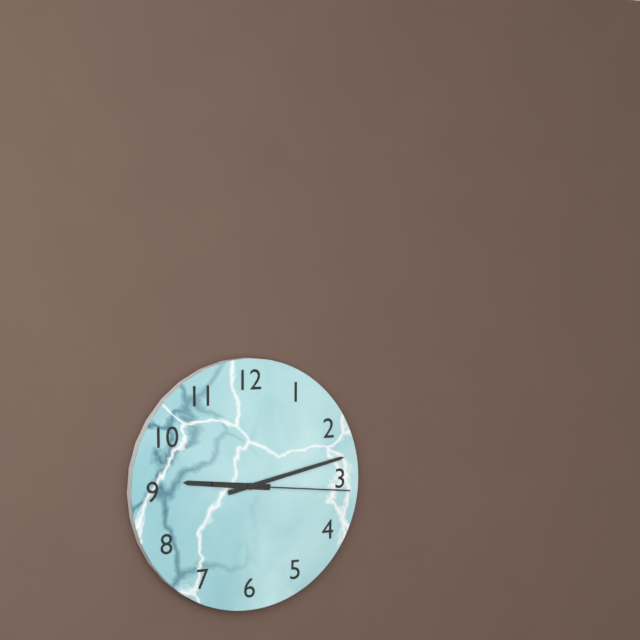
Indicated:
9:13:16
